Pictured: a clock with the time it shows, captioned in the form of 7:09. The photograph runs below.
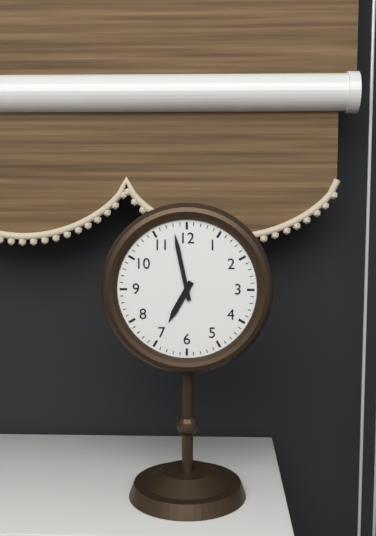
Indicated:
6:58
